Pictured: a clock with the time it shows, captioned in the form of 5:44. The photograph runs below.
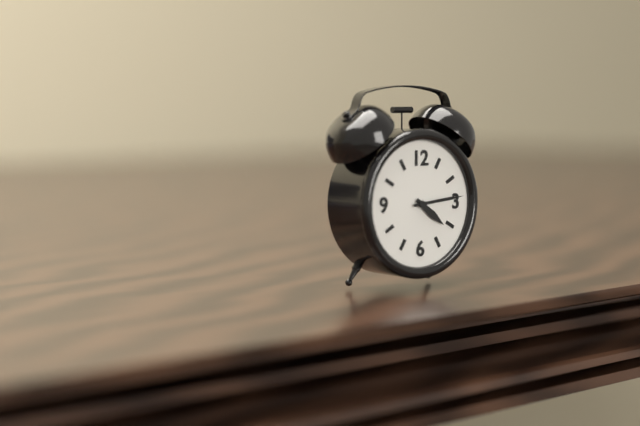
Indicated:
4:14
